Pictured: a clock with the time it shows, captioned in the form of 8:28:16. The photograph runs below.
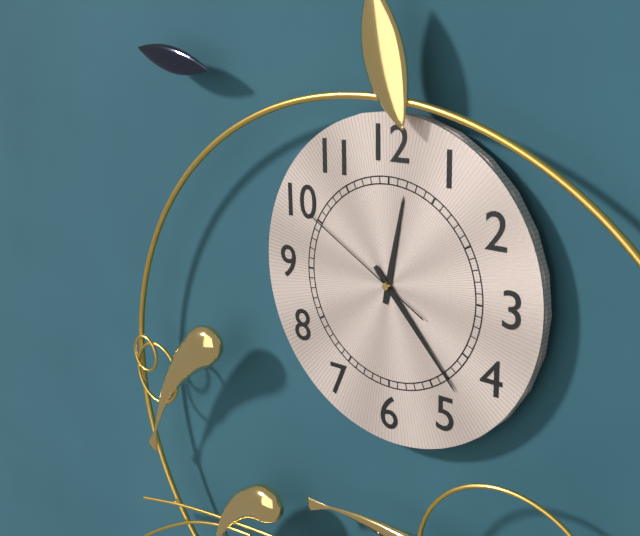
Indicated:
12:23:50
